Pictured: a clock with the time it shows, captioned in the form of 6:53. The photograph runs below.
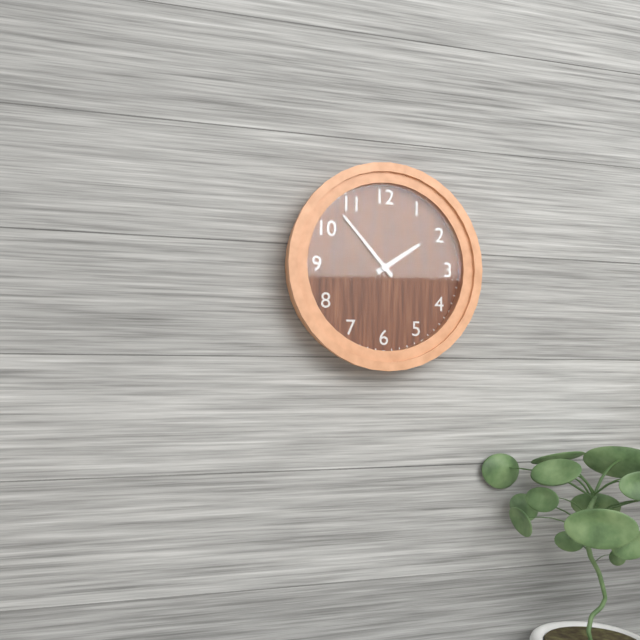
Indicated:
1:53
